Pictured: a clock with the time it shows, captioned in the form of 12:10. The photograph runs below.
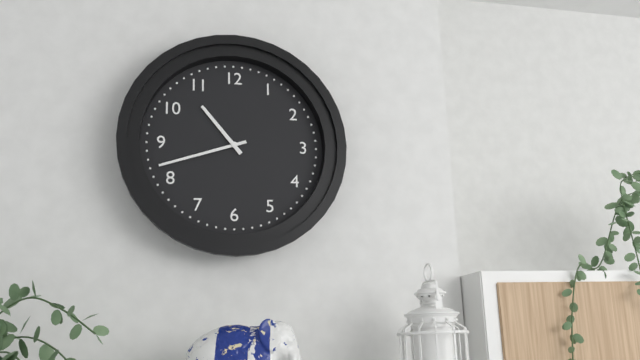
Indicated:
10:42
